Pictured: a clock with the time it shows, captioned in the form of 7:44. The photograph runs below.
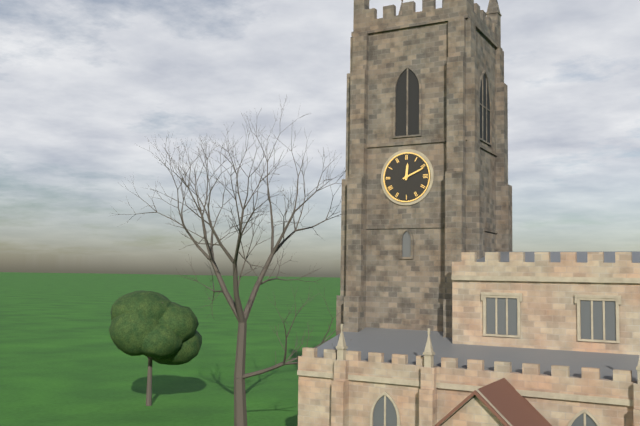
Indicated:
12:11
